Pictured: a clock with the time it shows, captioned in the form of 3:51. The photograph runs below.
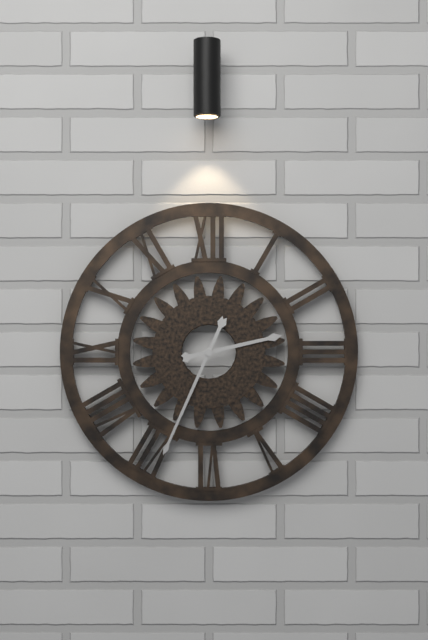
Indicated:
2:34
